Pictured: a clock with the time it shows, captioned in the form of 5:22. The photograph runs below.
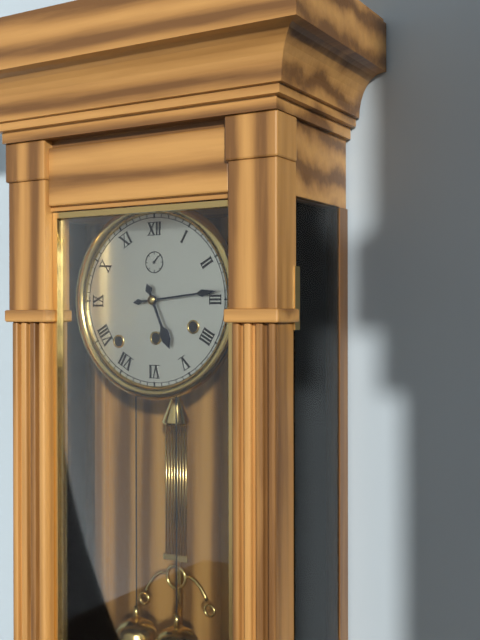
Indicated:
5:14
